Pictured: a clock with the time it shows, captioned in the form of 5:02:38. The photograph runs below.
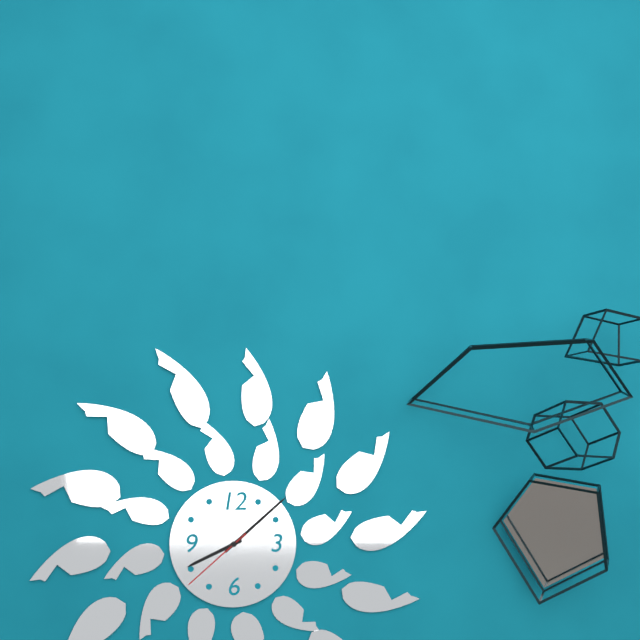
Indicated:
8:08:38
